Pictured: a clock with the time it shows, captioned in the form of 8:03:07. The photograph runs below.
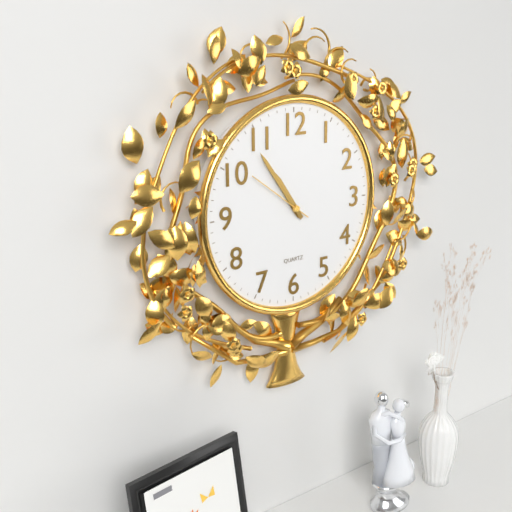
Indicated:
10:54:51
